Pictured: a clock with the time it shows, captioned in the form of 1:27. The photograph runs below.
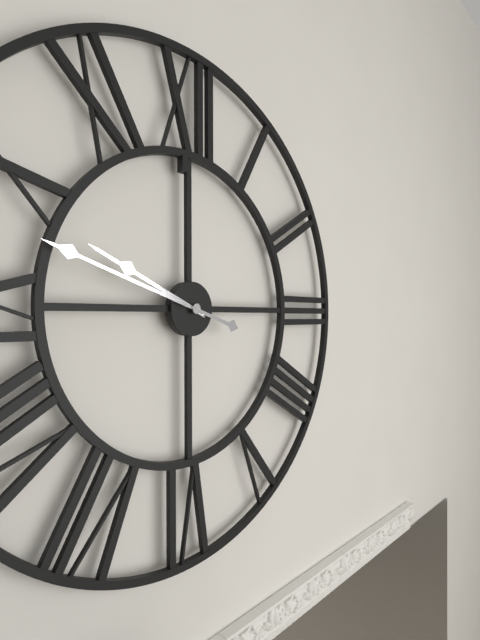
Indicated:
9:48
